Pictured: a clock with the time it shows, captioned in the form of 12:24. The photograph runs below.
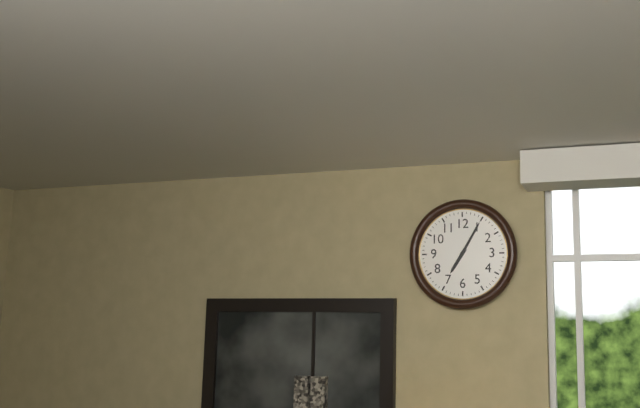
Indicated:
7:05
